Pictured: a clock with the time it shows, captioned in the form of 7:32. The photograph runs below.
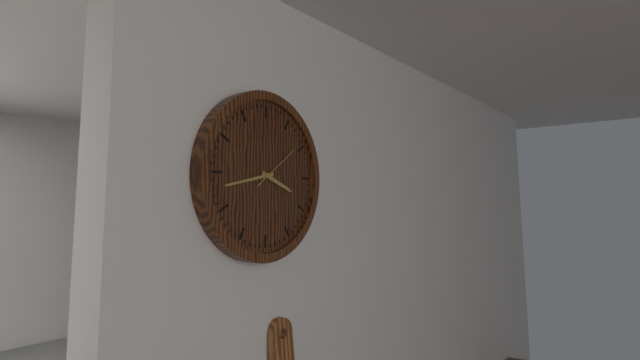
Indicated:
3:43
